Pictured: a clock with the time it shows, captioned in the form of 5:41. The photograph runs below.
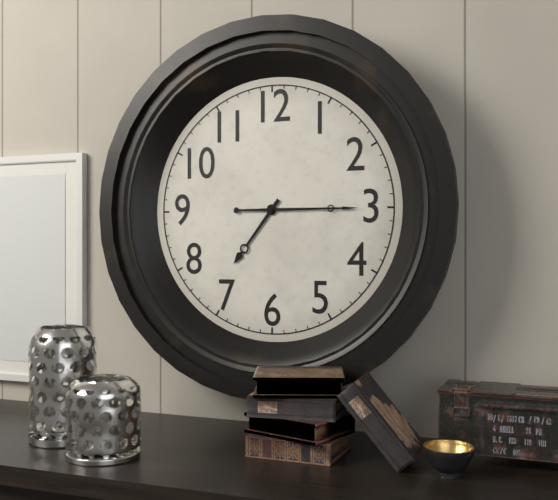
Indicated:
7:15
